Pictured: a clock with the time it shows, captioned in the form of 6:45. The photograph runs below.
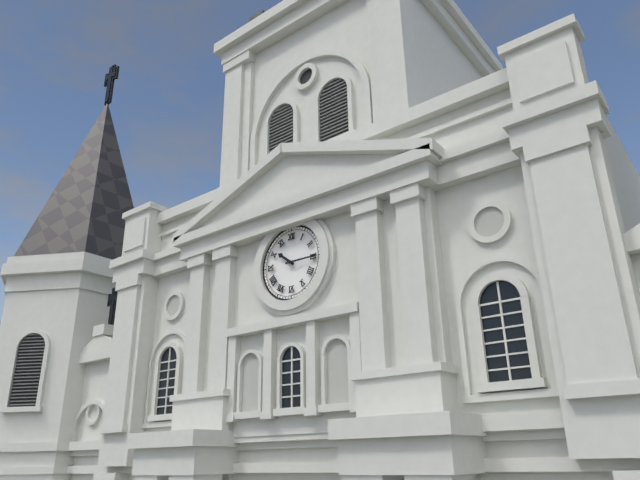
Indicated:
10:15
